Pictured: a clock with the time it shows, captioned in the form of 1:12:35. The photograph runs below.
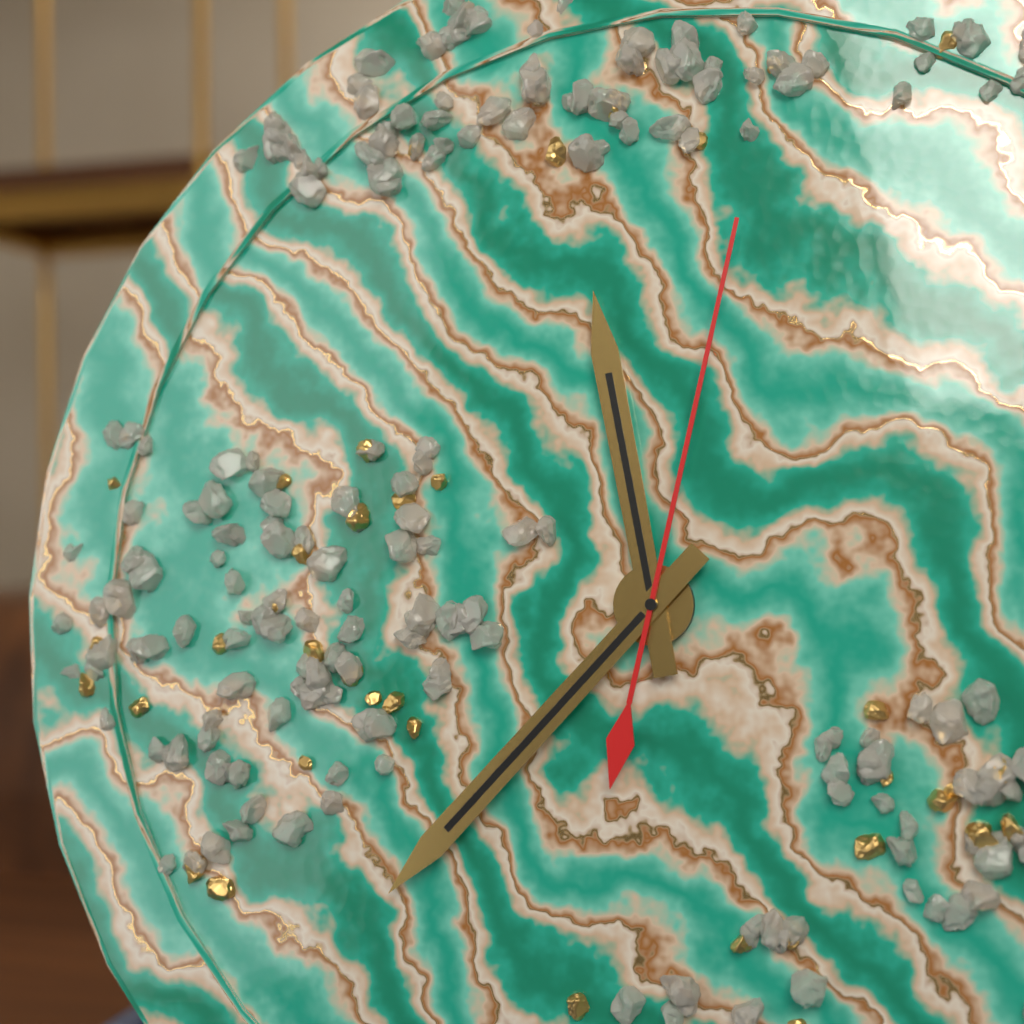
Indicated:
11:37:02
